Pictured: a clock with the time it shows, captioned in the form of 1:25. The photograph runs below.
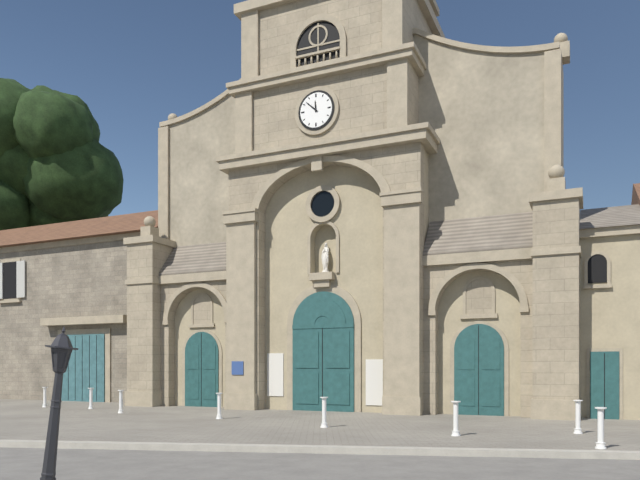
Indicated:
11:52
